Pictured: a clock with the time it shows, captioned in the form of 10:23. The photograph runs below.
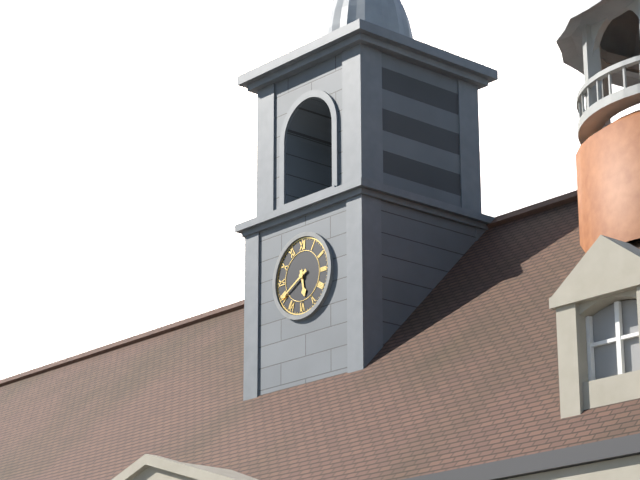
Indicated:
5:40
